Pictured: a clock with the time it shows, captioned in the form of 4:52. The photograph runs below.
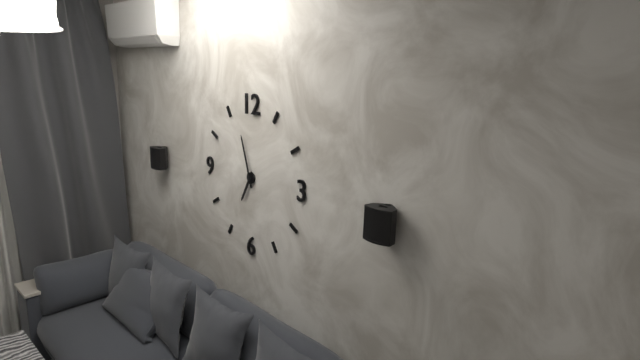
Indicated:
6:57
